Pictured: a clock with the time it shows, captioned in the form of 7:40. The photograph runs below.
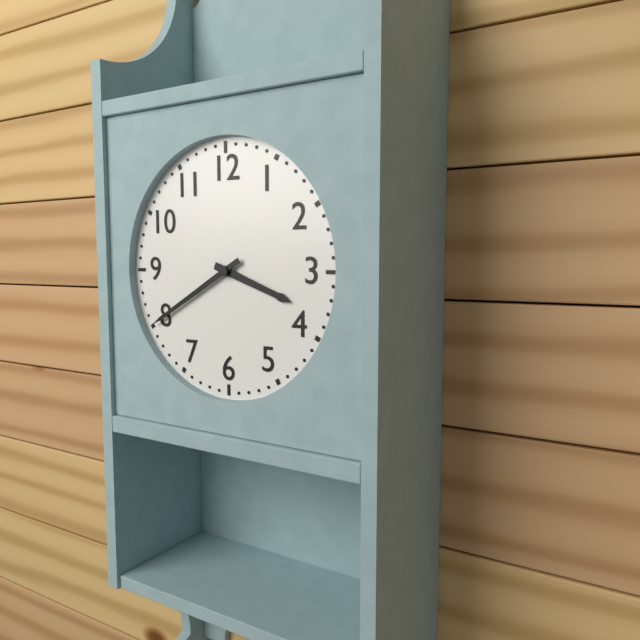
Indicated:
3:40
